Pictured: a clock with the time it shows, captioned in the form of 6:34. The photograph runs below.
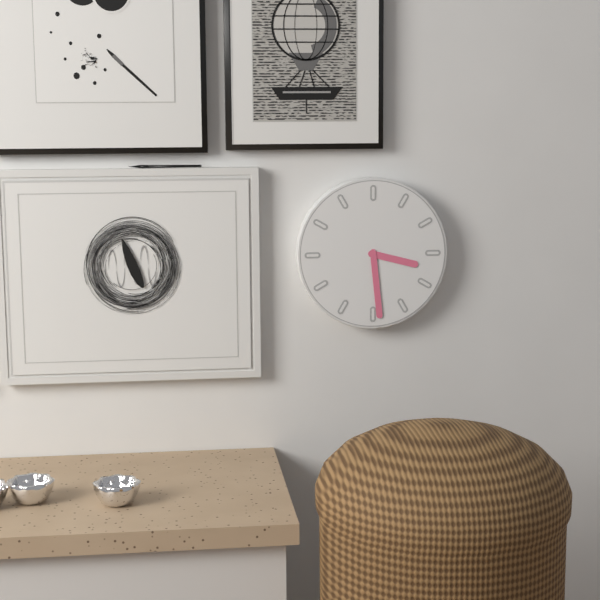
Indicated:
3:29
